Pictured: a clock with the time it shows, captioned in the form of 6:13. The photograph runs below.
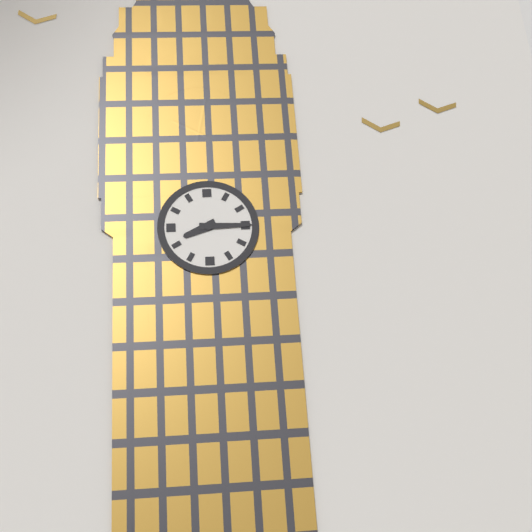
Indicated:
8:15
